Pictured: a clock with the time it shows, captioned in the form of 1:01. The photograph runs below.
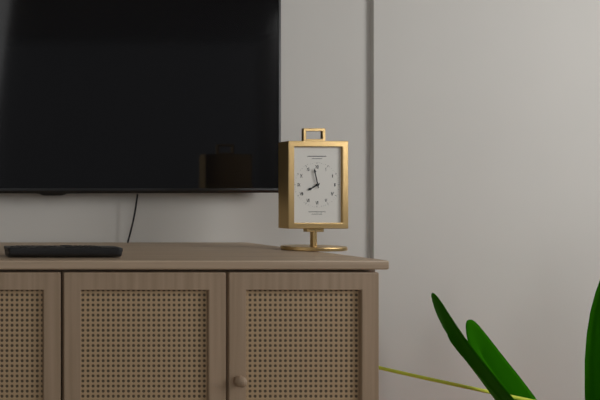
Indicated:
7:58
